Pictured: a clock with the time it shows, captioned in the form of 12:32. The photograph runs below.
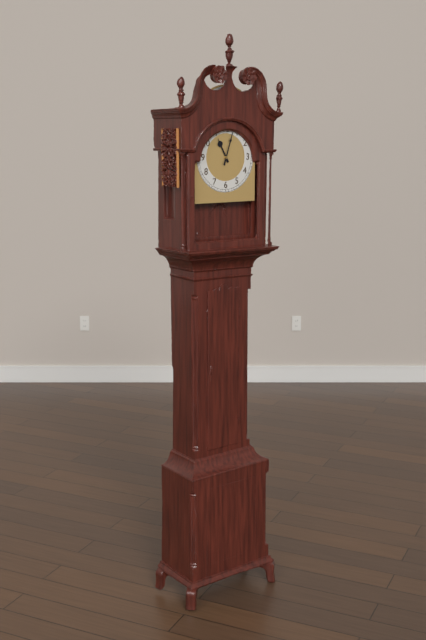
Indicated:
11:03
